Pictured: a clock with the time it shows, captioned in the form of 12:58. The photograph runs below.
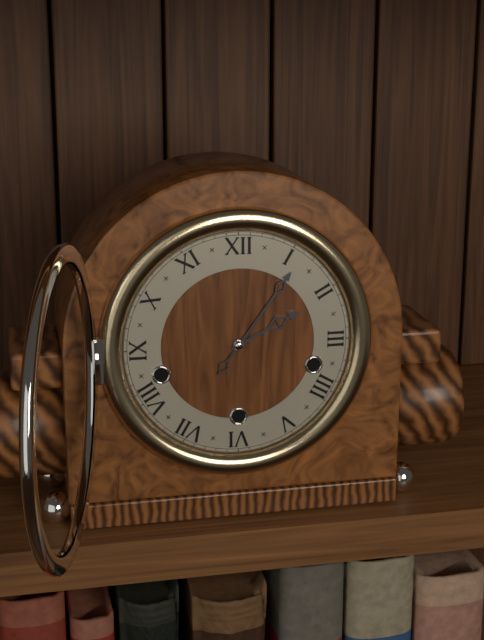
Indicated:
2:06
